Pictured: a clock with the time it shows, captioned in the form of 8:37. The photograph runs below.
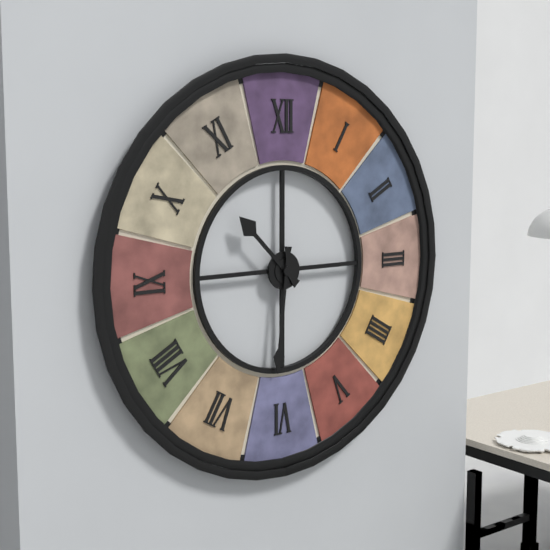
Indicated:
10:31
